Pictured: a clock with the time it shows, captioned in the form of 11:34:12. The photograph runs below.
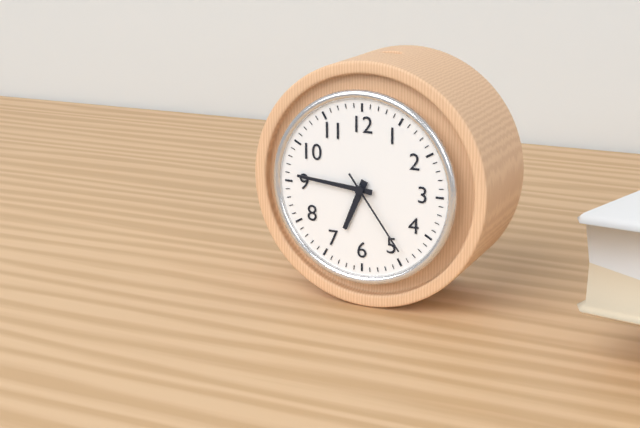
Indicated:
6:46:24
